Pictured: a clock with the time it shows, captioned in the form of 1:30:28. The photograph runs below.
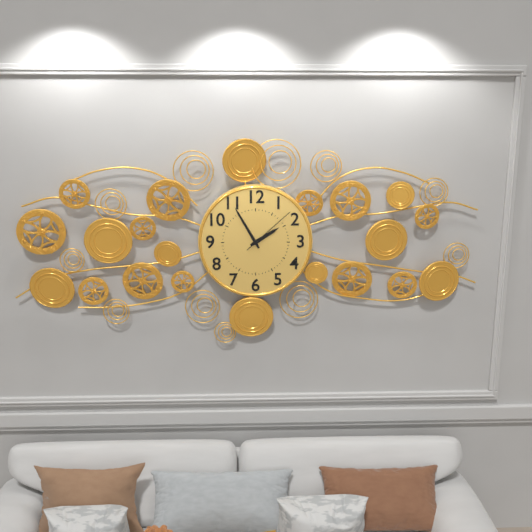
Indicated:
1:55:08
